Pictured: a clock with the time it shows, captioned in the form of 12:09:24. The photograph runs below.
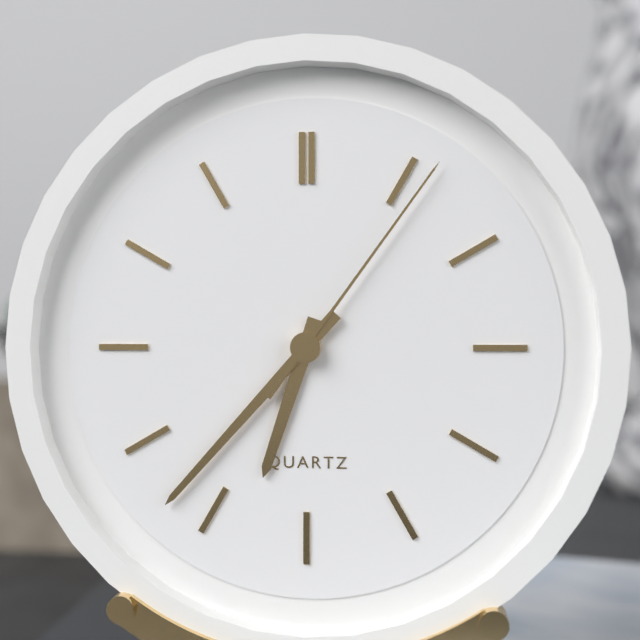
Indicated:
6:37:06
